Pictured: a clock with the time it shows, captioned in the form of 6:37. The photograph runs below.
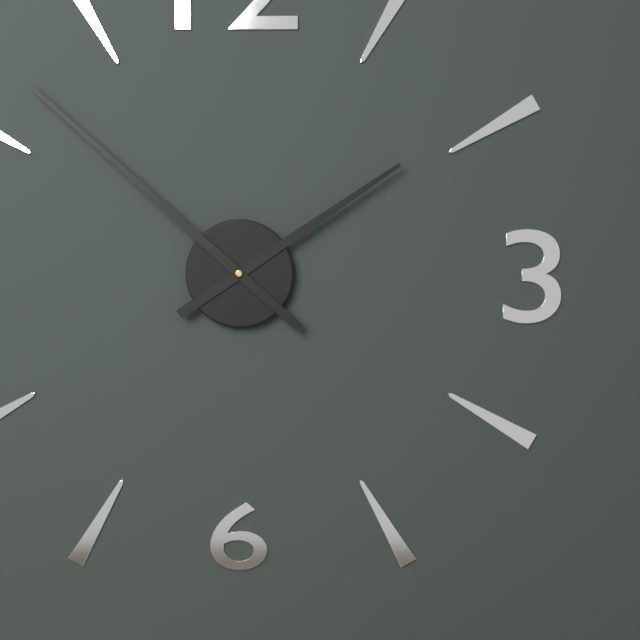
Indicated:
1:52
